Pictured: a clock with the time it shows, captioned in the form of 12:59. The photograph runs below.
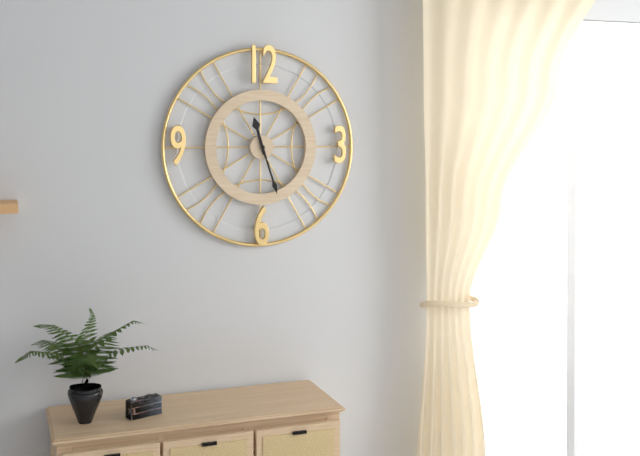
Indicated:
11:27
